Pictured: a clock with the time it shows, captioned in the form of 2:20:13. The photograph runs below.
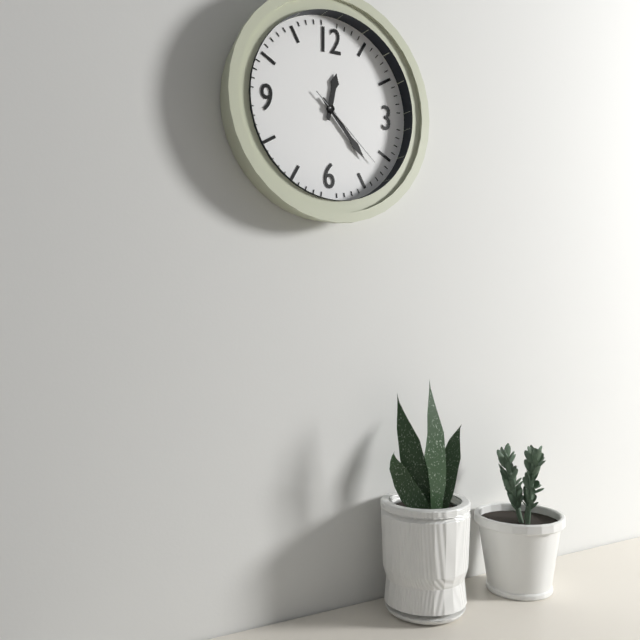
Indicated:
12:23:22
